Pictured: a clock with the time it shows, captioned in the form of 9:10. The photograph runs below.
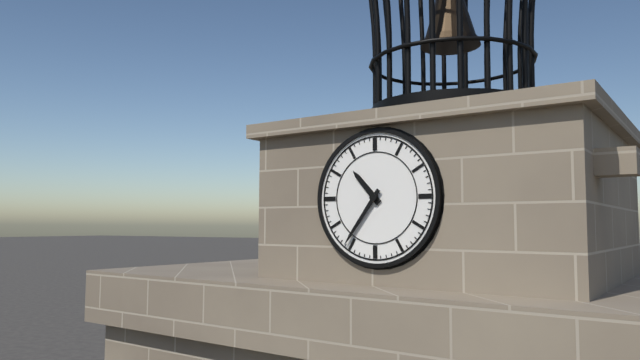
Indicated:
10:36
